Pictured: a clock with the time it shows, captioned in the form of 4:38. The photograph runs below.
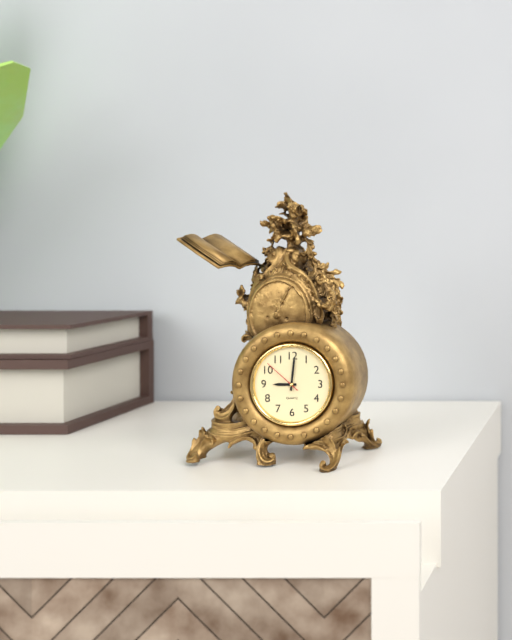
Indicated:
9:01
